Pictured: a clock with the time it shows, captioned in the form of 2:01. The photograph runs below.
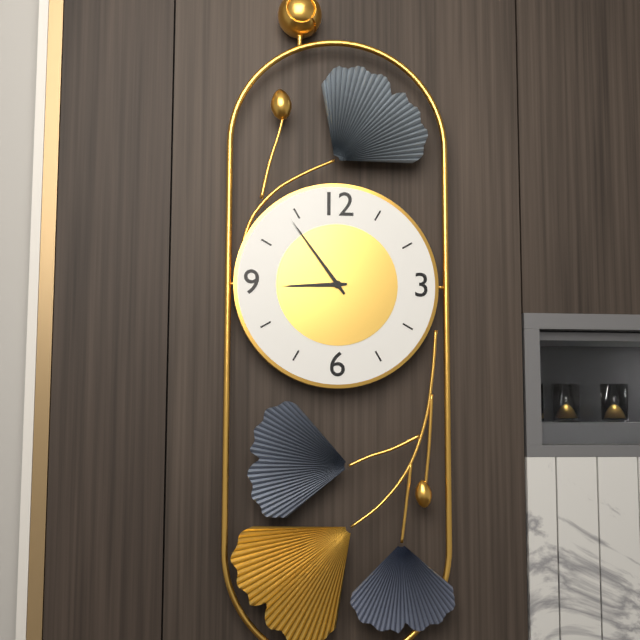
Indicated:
8:54
